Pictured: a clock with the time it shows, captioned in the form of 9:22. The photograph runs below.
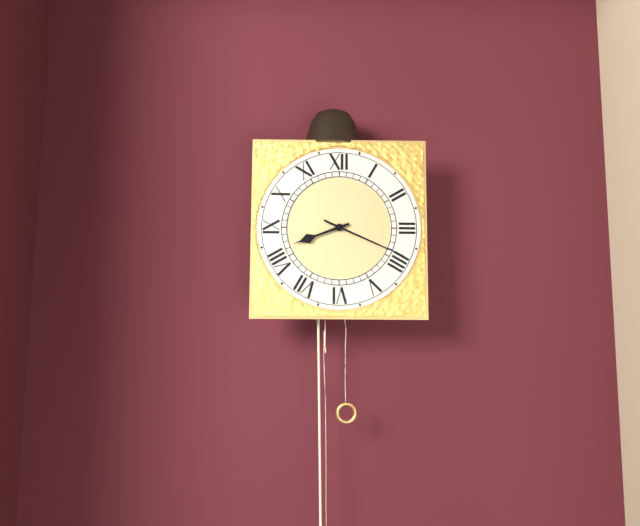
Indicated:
8:19
